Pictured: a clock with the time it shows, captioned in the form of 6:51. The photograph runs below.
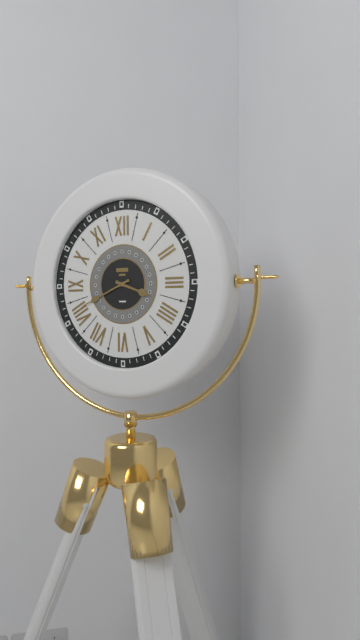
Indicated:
3:41
